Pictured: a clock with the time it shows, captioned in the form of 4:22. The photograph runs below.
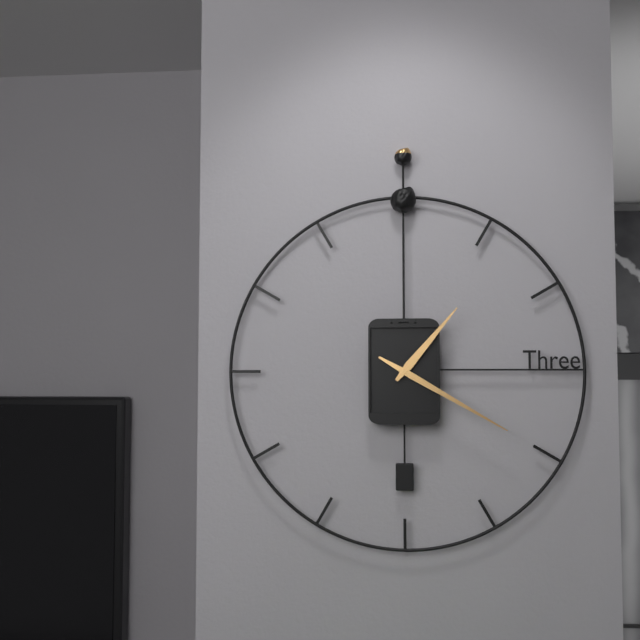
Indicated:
1:20
